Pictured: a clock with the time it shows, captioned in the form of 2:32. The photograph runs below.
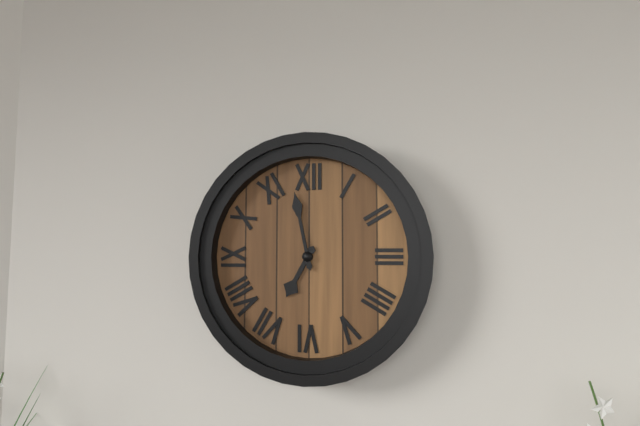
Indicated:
6:58
